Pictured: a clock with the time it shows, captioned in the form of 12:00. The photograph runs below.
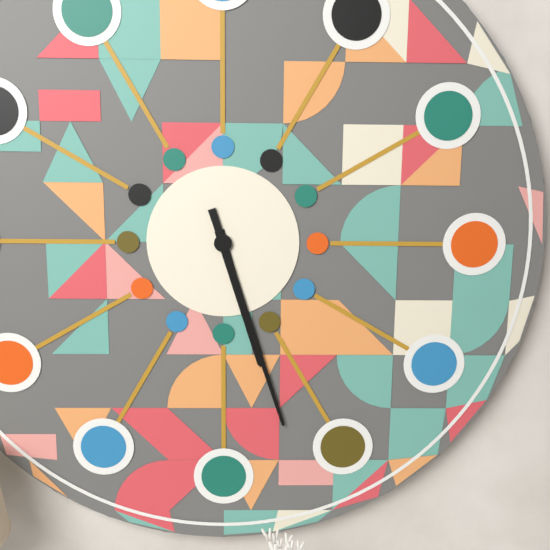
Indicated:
5:27
